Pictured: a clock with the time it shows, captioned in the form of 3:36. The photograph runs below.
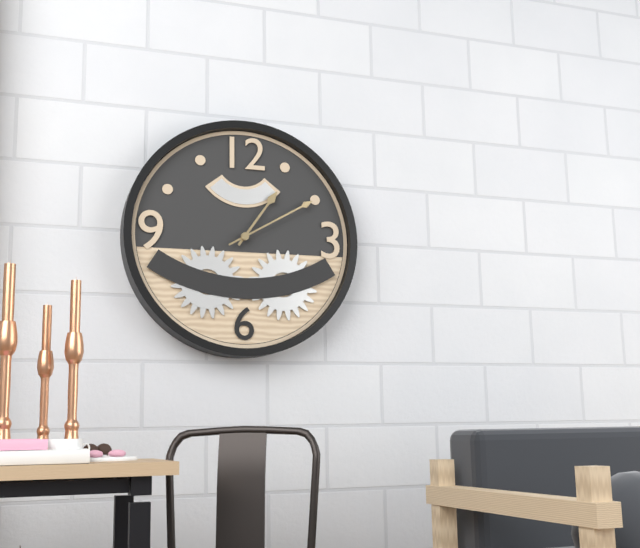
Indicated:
1:10
